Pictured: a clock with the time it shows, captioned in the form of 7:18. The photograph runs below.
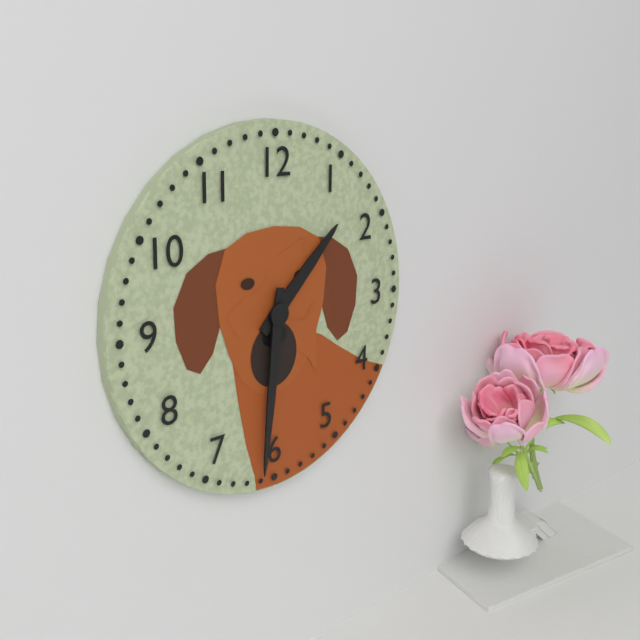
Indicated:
1:31
